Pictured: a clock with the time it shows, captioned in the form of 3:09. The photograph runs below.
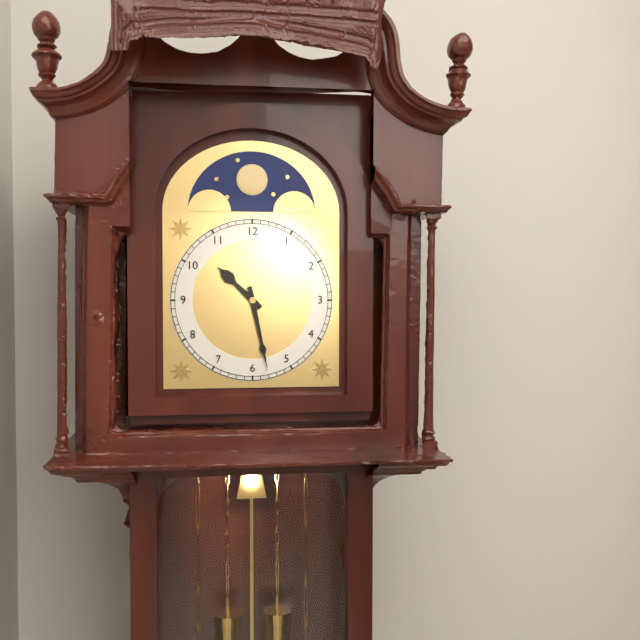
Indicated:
10:28
